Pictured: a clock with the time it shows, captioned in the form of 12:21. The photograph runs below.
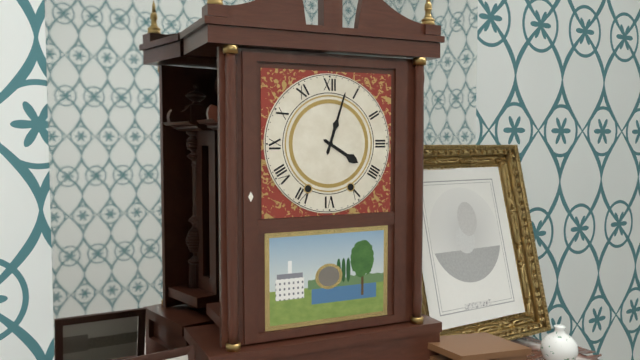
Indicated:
4:03
